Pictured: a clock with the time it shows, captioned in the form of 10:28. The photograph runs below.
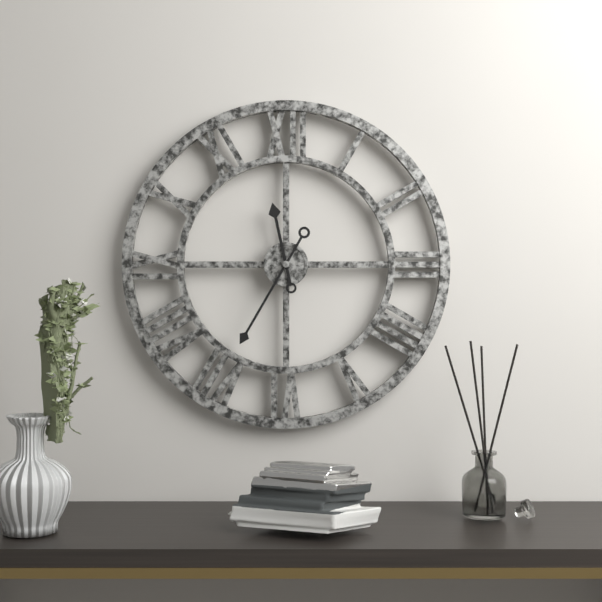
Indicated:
11:35
